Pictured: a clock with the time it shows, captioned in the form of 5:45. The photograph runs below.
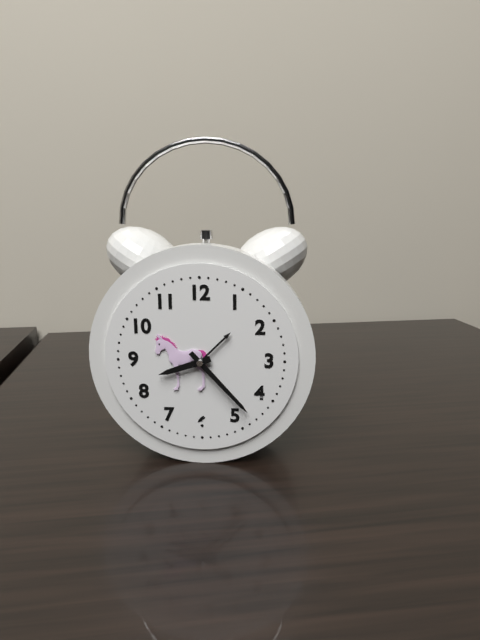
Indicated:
8:23
